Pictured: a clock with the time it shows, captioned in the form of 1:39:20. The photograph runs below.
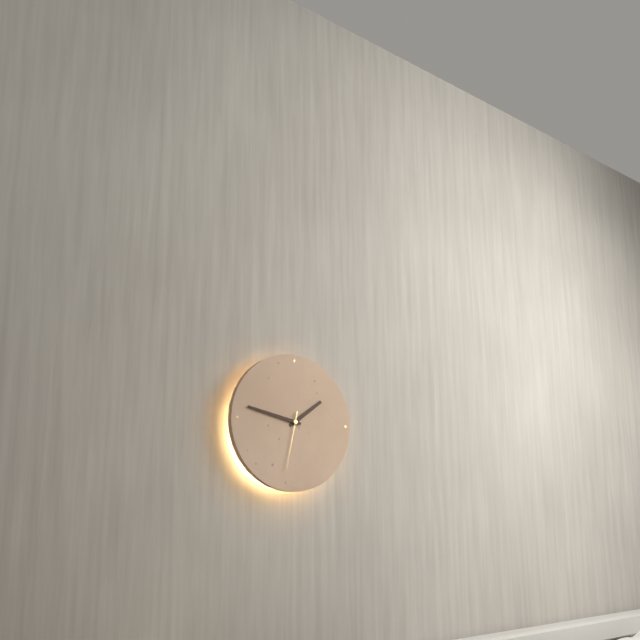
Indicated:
1:47:32
